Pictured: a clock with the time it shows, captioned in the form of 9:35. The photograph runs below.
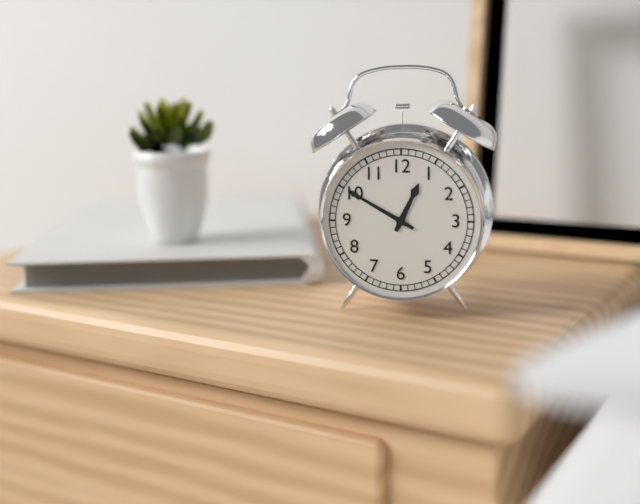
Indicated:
12:50
